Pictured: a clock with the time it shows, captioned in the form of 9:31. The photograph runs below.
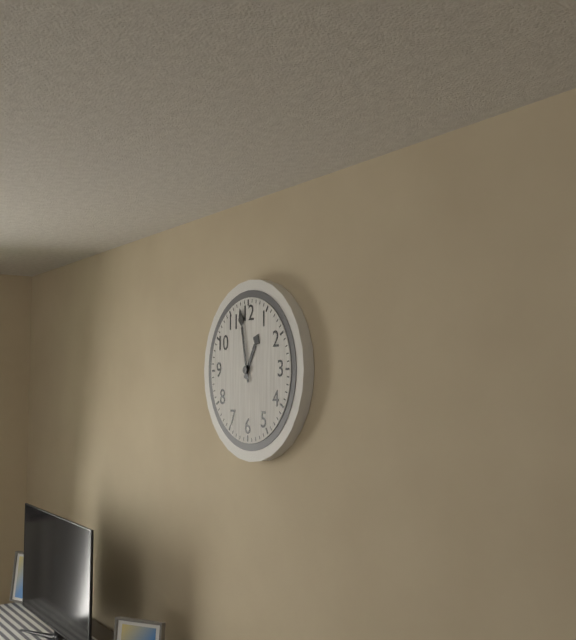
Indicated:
12:58
